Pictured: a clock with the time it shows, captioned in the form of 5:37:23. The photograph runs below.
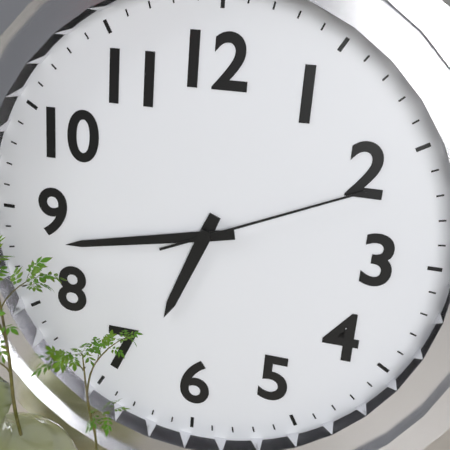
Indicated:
6:43:11
